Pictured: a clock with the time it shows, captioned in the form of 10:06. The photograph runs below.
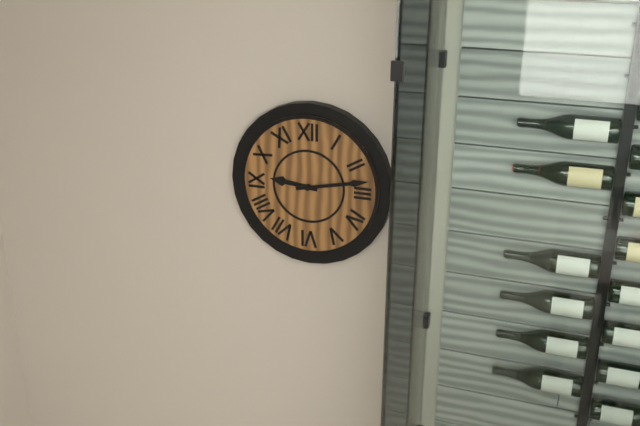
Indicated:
9:13
